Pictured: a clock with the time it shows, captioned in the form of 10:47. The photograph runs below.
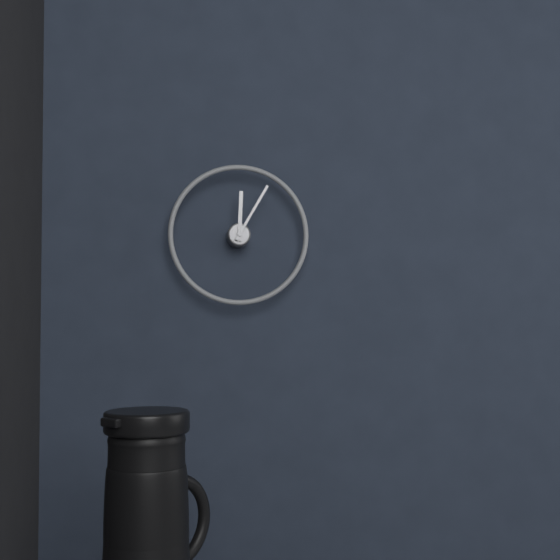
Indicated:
12:05
